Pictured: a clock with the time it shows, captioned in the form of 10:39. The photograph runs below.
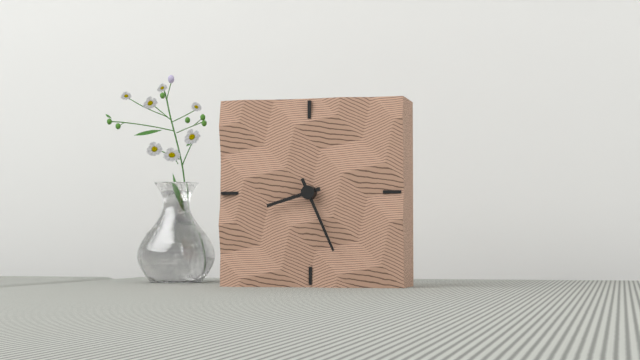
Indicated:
8:26
